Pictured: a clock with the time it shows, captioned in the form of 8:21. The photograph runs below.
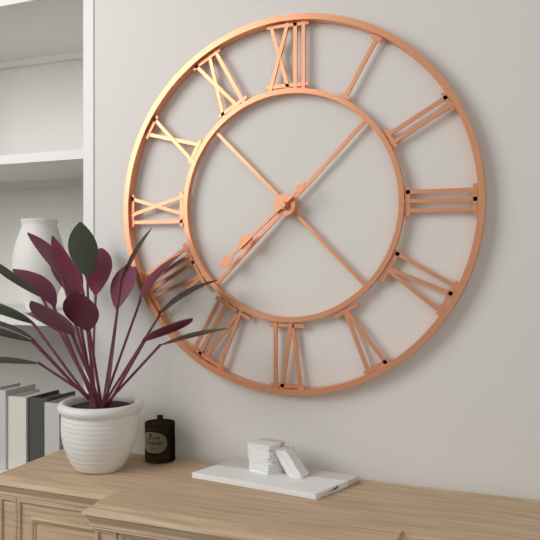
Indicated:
7:38
